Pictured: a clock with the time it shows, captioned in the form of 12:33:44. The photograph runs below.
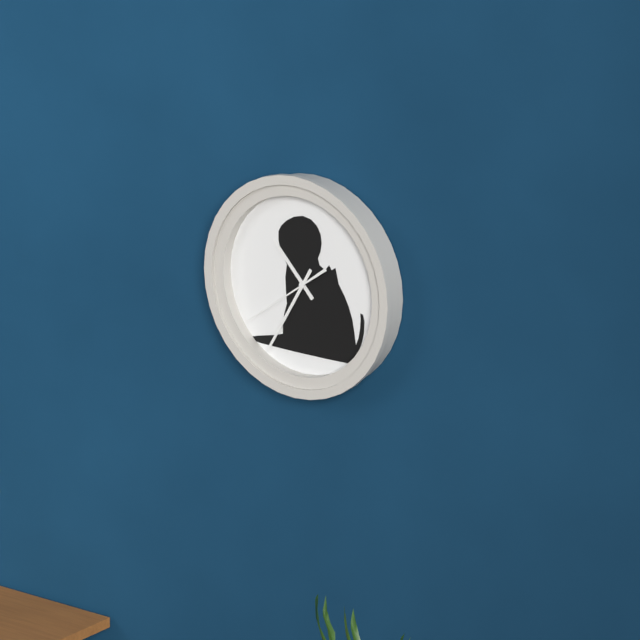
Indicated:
10:35:39
